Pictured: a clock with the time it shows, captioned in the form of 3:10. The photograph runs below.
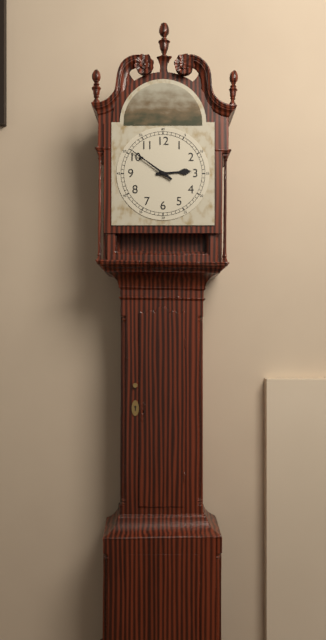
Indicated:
2:51
